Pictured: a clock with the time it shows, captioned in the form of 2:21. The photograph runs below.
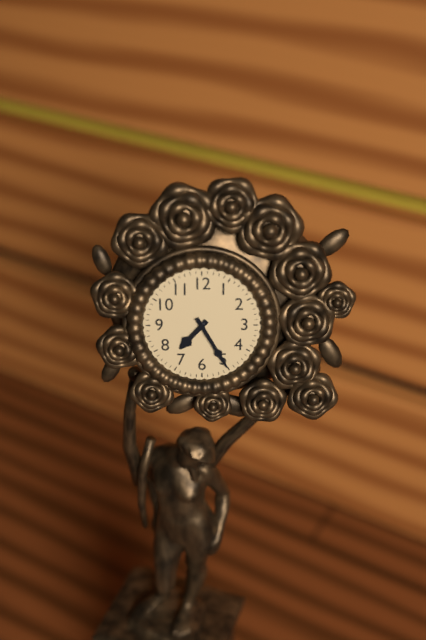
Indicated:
7:25
